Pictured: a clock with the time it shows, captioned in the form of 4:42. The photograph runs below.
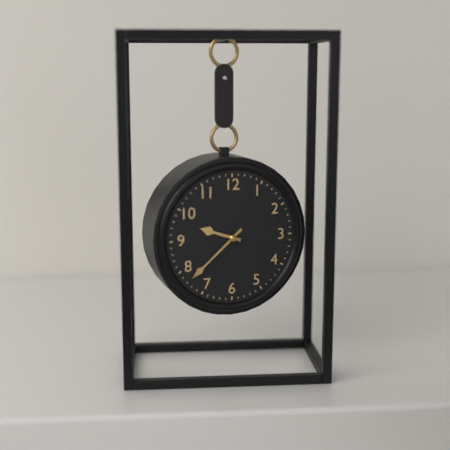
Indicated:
9:38
